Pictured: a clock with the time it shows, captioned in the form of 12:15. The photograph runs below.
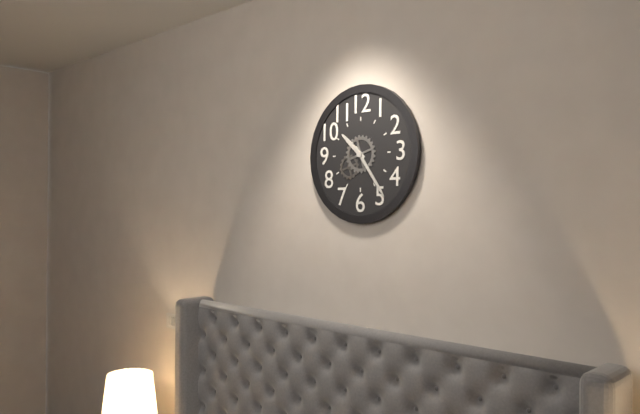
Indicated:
10:24
